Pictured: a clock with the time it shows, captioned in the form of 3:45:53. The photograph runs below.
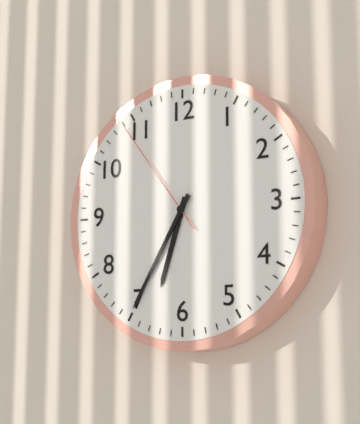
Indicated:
6:35:54
